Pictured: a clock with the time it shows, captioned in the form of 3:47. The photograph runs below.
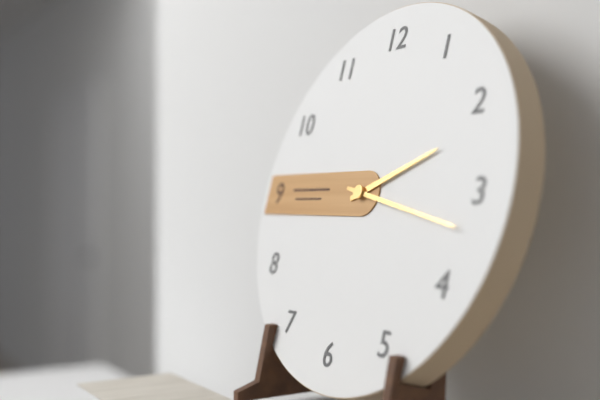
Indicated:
2:17
